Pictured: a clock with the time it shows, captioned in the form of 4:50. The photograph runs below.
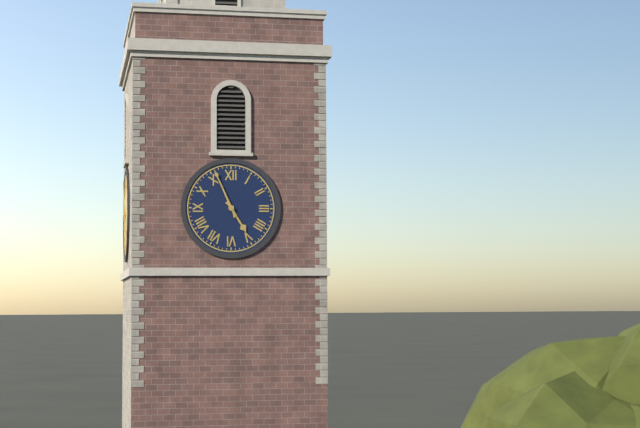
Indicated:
4:56
